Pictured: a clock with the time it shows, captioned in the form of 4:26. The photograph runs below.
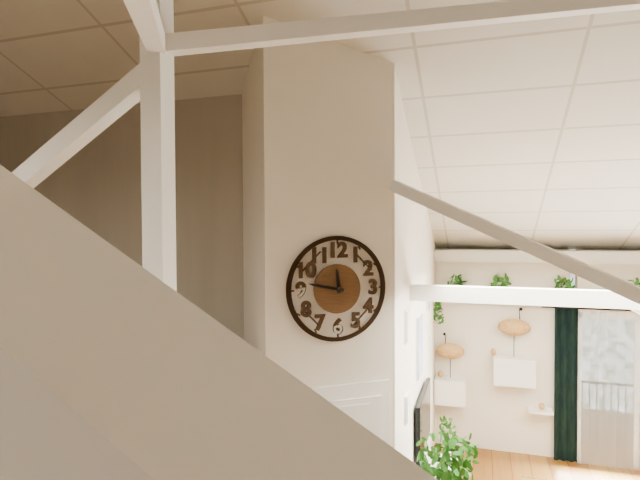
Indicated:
11:47
